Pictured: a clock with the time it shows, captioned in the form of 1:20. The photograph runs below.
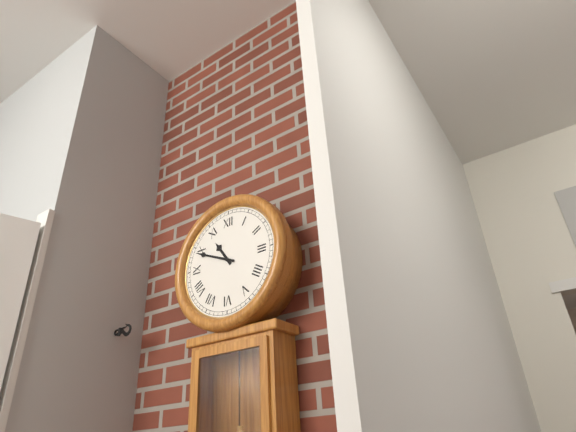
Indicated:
10:49
